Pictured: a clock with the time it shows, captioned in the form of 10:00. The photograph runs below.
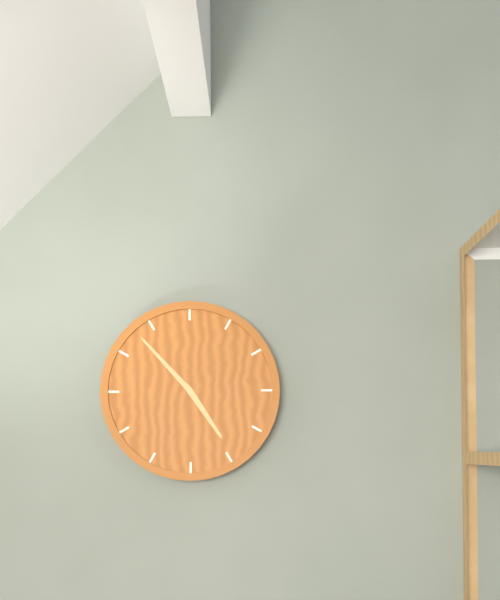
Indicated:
4:53
